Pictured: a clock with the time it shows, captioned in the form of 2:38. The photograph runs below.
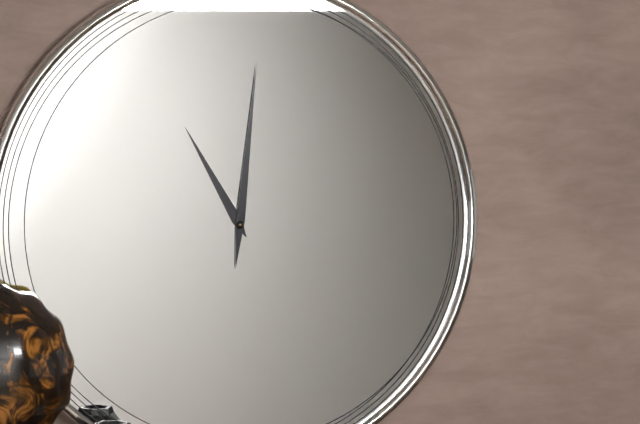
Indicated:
11:01
